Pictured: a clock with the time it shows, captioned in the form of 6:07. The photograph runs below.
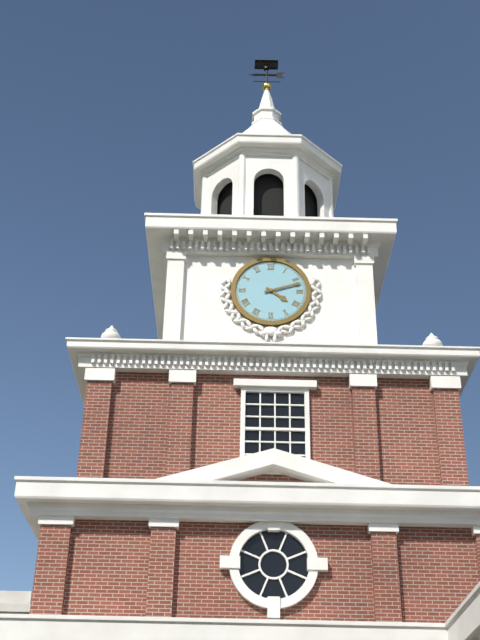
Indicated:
4:12
